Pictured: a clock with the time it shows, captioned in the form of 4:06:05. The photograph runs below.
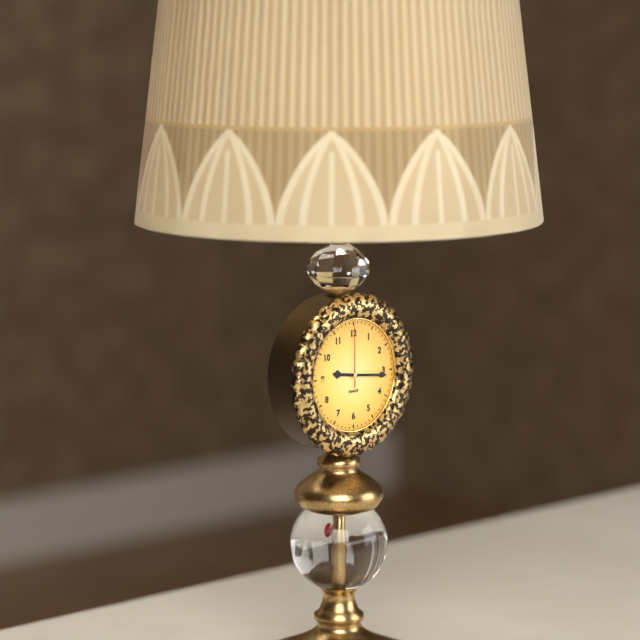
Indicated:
9:16:00
